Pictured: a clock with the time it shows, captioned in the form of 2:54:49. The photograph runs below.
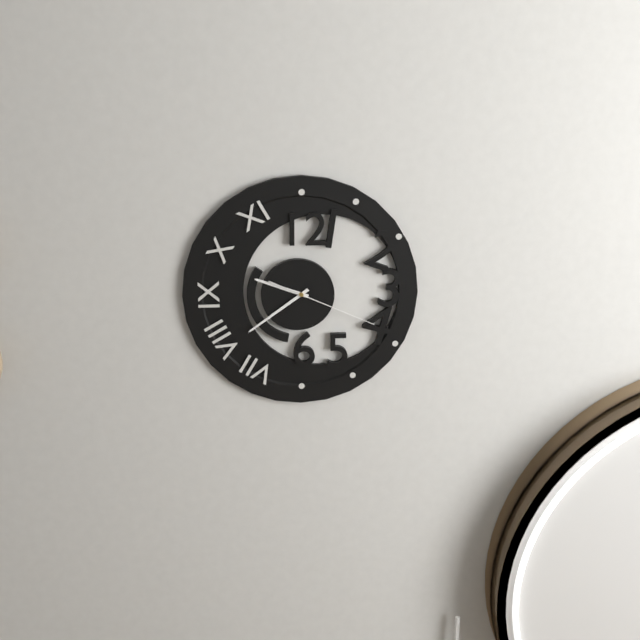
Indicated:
9:39:19
